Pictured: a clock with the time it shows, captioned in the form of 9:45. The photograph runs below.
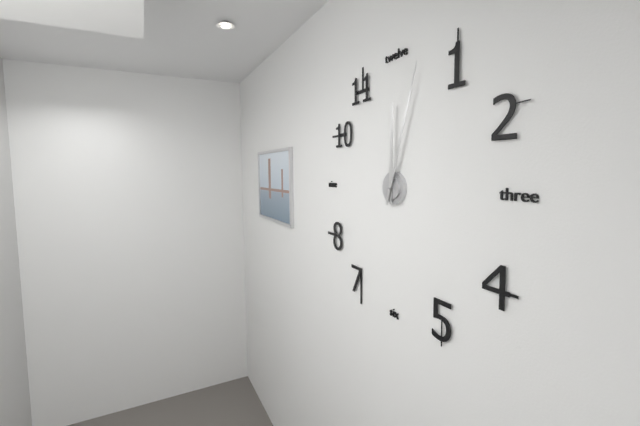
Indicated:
12:03
